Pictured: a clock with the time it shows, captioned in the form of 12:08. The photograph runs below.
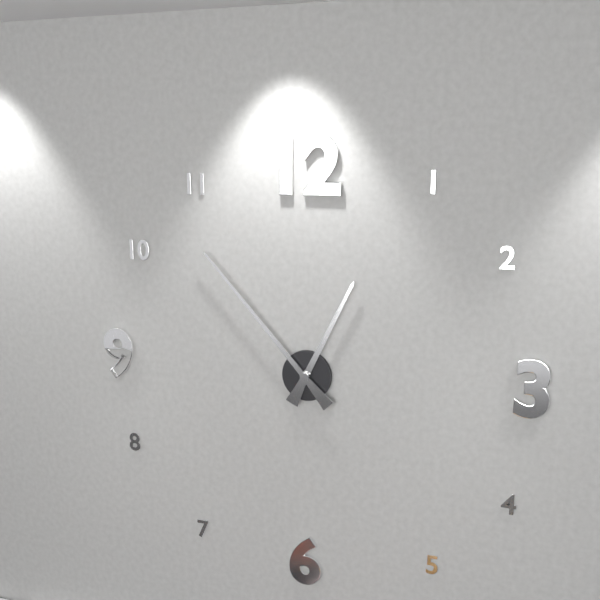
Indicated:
12:53
